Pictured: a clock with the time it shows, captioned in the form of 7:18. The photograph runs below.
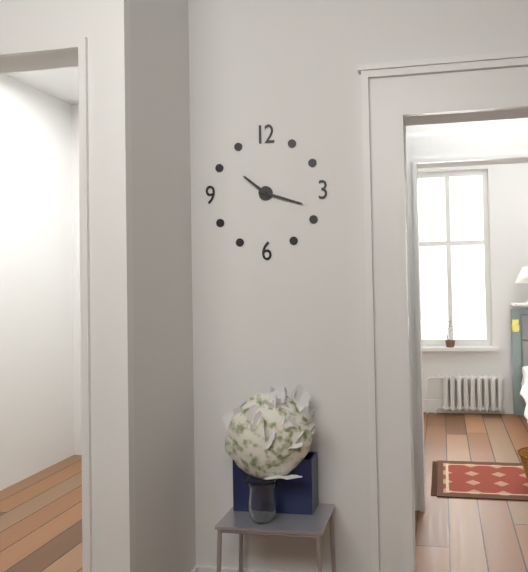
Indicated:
10:18
